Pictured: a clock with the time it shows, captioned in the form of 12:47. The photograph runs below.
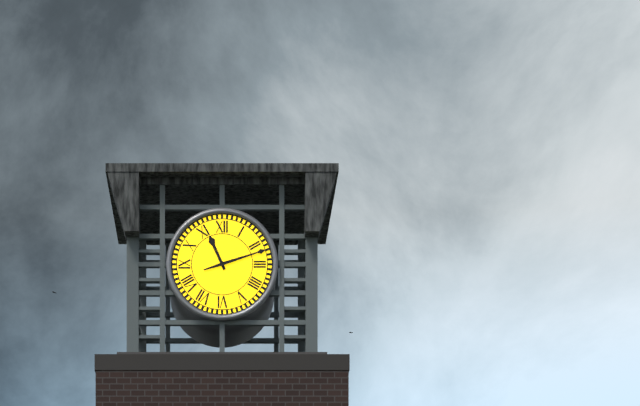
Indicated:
11:12
